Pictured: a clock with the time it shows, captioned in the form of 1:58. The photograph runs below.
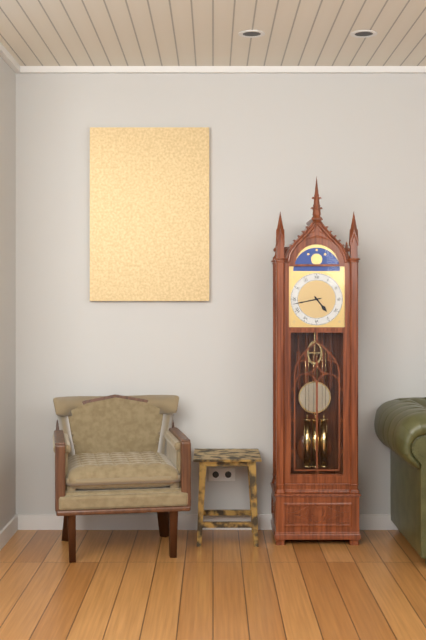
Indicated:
4:43
